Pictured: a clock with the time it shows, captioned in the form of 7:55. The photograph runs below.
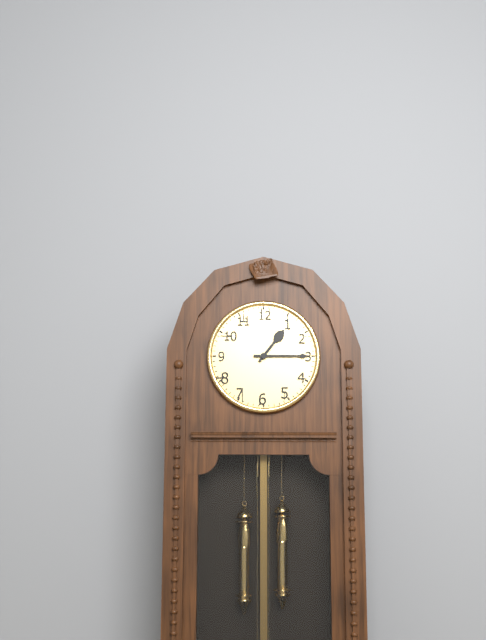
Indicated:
1:15
